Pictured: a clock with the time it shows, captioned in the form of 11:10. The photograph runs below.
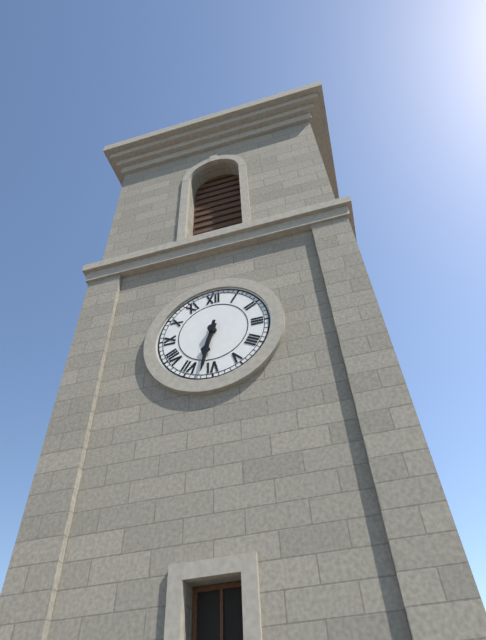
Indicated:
6:32
